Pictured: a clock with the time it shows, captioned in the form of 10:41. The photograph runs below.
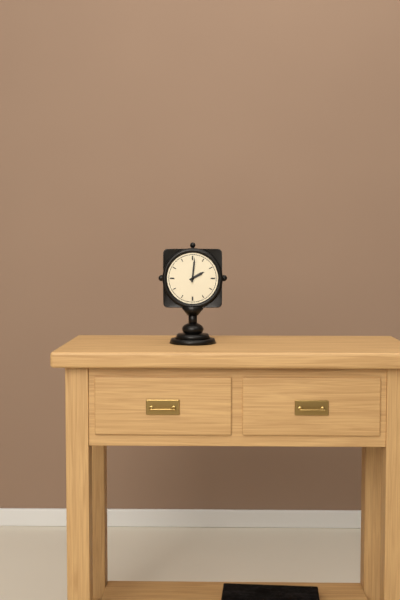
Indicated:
2:01
